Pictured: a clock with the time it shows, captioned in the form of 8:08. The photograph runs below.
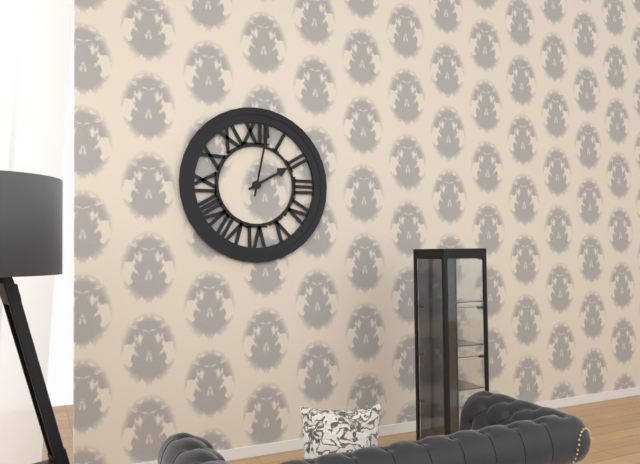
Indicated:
2:02
